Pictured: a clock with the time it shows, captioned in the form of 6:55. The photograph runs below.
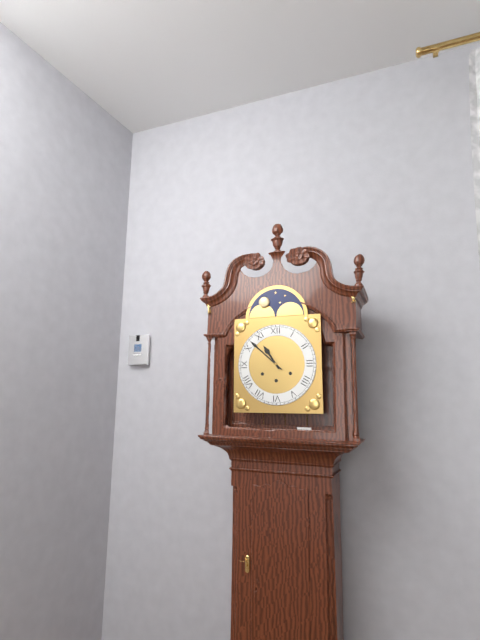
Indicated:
10:52
